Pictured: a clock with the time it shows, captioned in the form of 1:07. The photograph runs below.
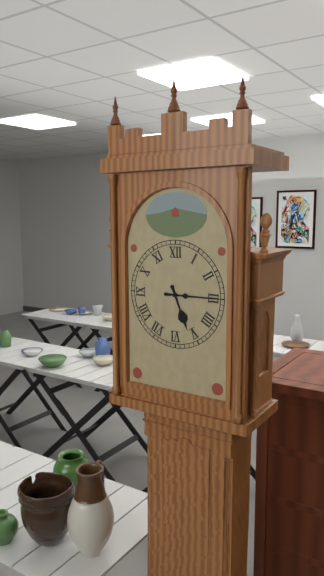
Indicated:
5:15
